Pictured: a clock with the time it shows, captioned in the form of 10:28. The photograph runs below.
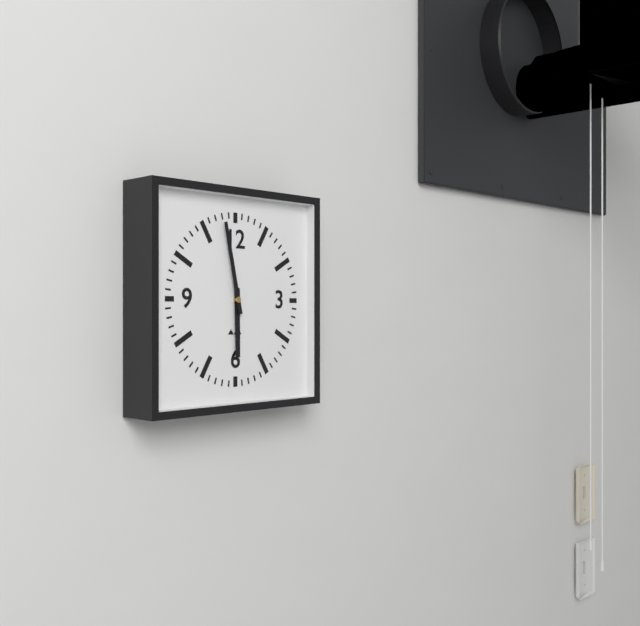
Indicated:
5:58
